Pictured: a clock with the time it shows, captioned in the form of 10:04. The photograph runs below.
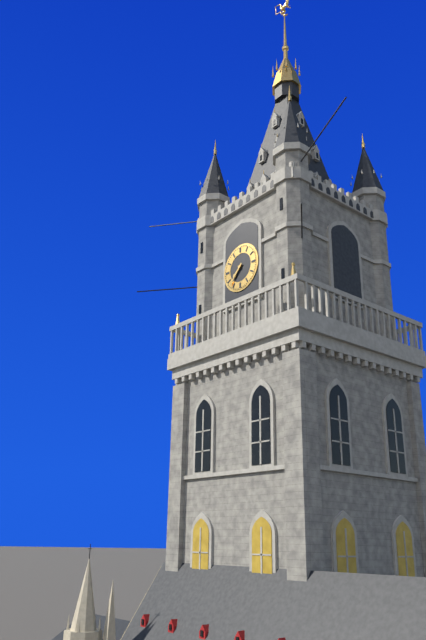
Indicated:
7:37
